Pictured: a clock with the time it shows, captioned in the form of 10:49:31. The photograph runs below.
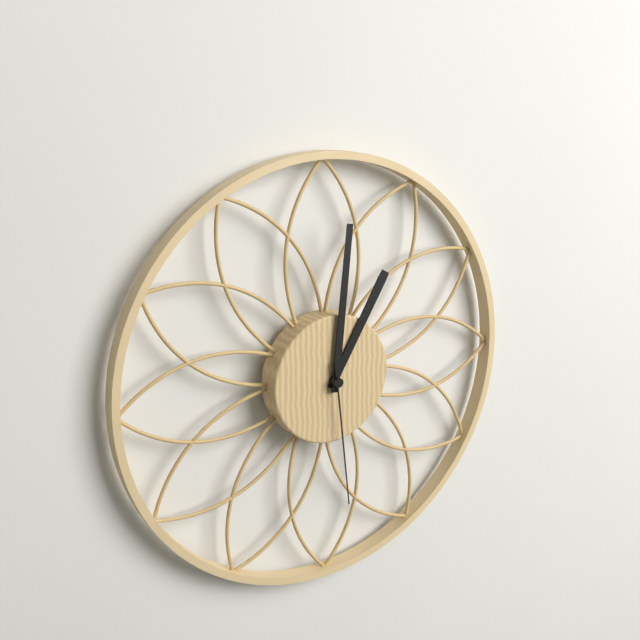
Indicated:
1:01:29
